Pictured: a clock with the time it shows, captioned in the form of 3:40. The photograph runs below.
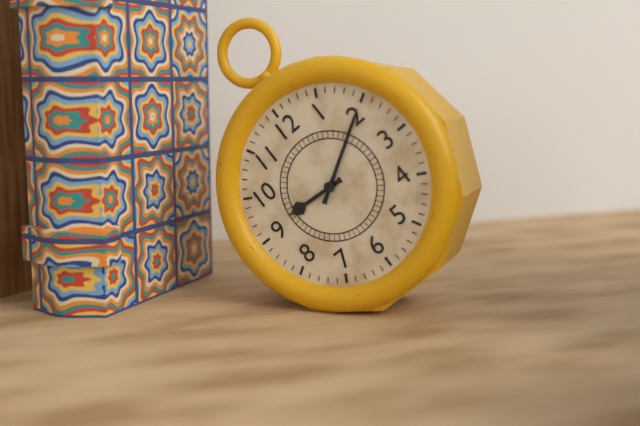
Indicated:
9:10
